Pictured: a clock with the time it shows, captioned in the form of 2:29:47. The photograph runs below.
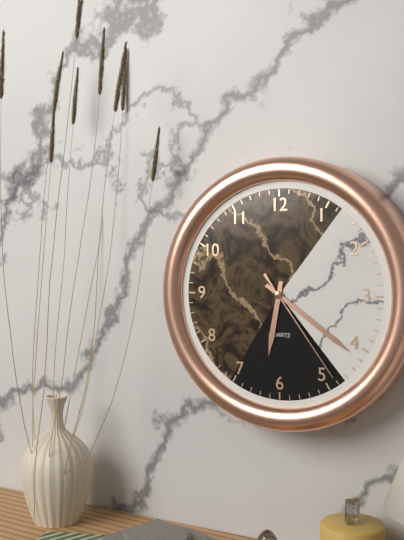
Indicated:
6:21:24
